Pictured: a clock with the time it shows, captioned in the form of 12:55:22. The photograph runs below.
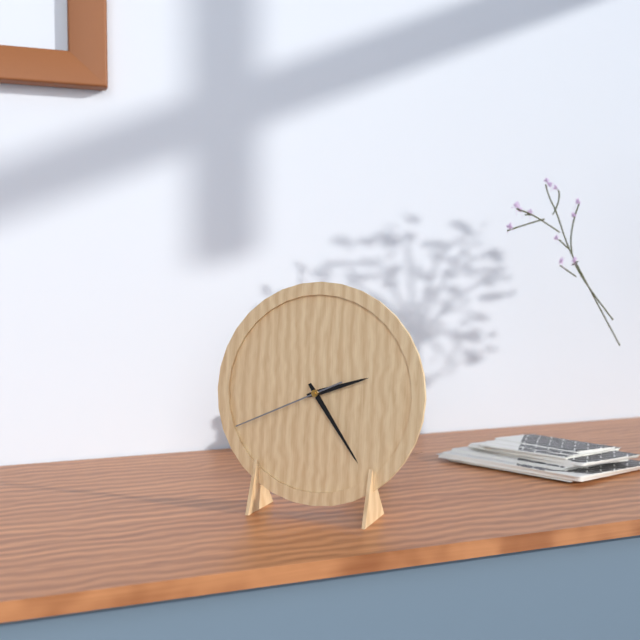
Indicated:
2:24:41
